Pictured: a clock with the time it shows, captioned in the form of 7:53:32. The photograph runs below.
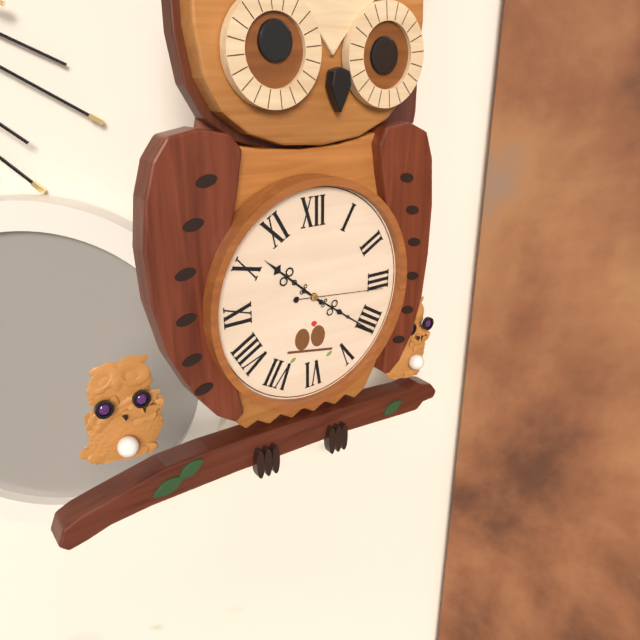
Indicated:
10:21:16
